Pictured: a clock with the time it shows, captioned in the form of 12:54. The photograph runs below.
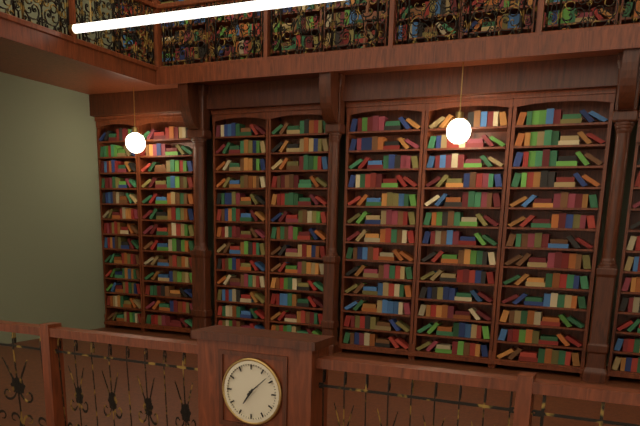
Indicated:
7:08
